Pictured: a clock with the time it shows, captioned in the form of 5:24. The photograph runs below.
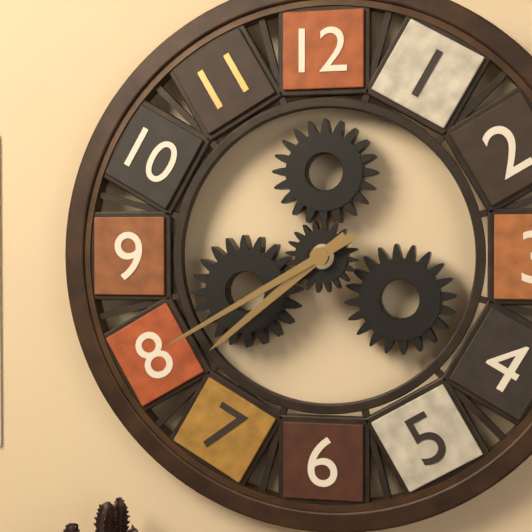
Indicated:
7:40
